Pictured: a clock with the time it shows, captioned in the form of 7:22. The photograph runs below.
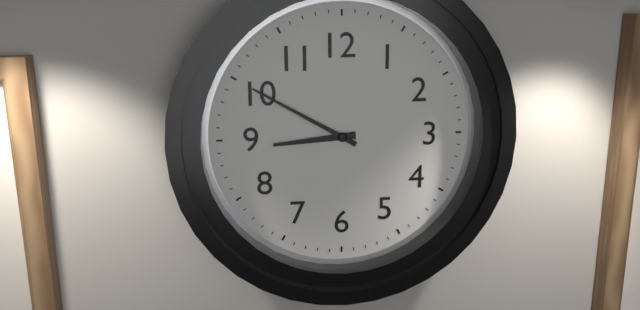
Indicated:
8:50
